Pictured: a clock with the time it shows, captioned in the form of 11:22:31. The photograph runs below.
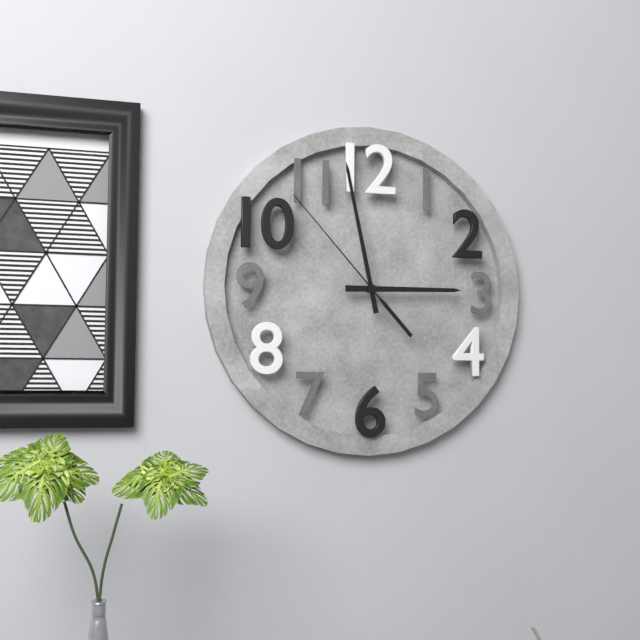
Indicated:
2:58:53
